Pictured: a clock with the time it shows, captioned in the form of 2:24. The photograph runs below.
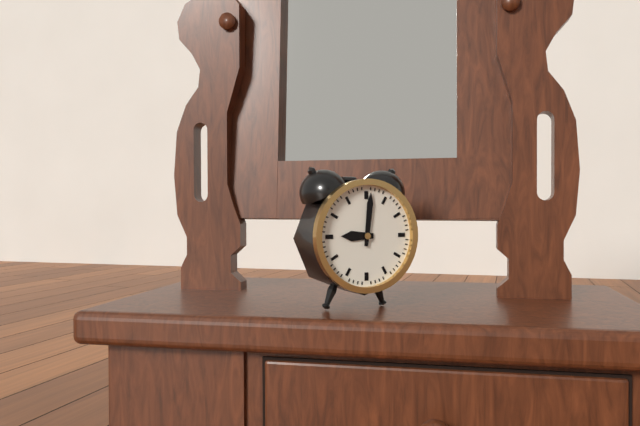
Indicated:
9:01
